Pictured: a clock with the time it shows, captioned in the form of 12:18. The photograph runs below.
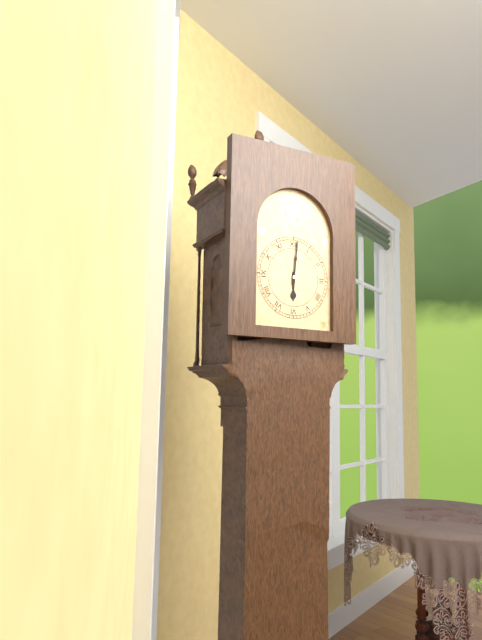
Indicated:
6:01
